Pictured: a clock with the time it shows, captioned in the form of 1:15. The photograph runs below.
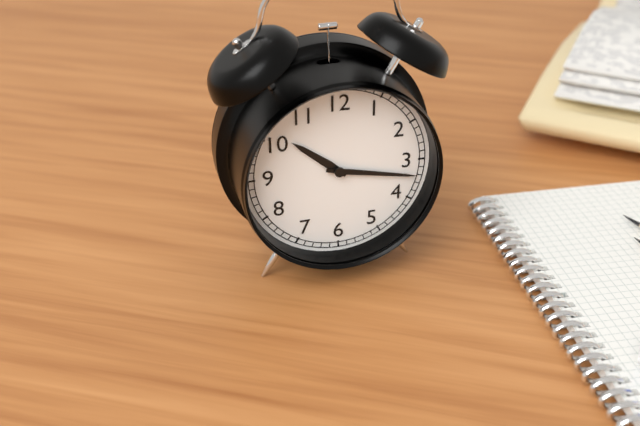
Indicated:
10:17
